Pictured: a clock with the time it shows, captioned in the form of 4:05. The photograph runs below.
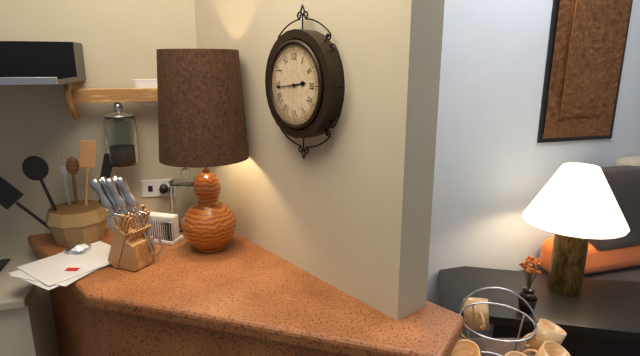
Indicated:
2:44
